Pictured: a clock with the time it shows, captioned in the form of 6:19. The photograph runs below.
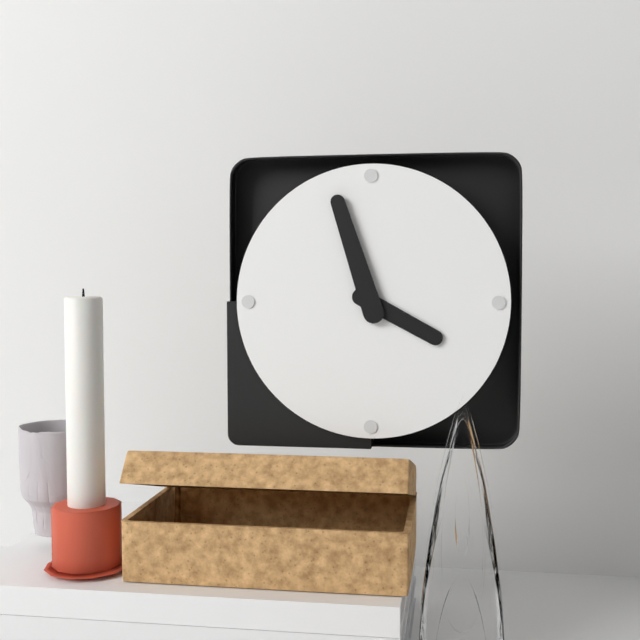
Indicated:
3:57
